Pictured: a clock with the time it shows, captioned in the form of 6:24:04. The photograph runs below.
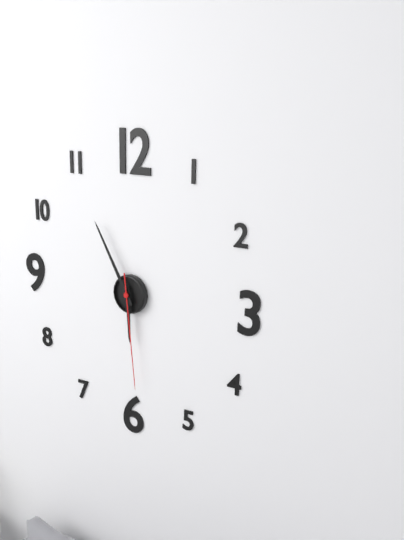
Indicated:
5:55:29
